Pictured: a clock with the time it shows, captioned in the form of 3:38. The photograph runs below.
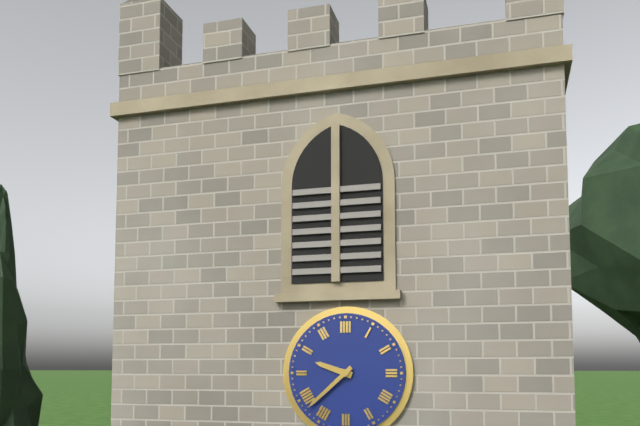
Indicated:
9:38
